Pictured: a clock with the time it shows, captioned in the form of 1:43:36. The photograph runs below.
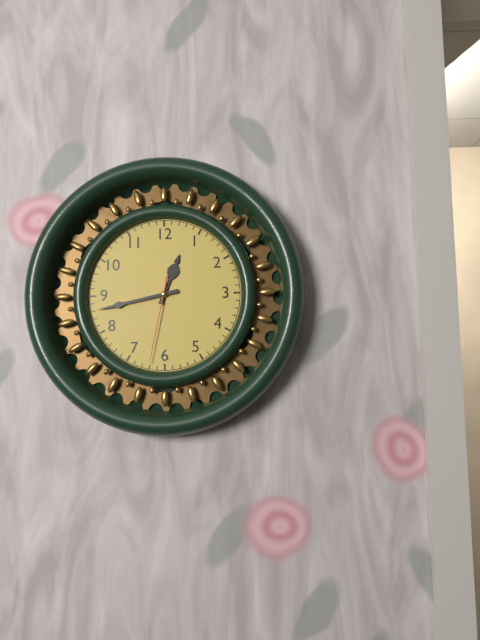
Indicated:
12:43:32
